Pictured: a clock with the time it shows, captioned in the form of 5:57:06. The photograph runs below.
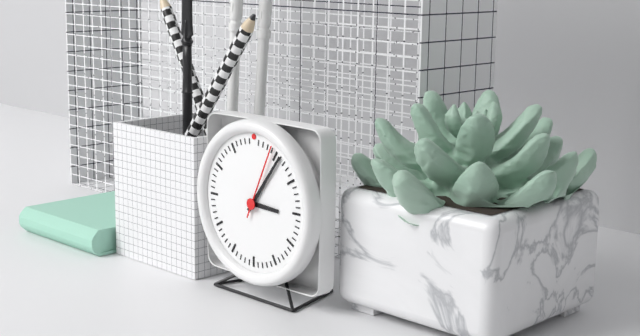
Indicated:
3:06:04
